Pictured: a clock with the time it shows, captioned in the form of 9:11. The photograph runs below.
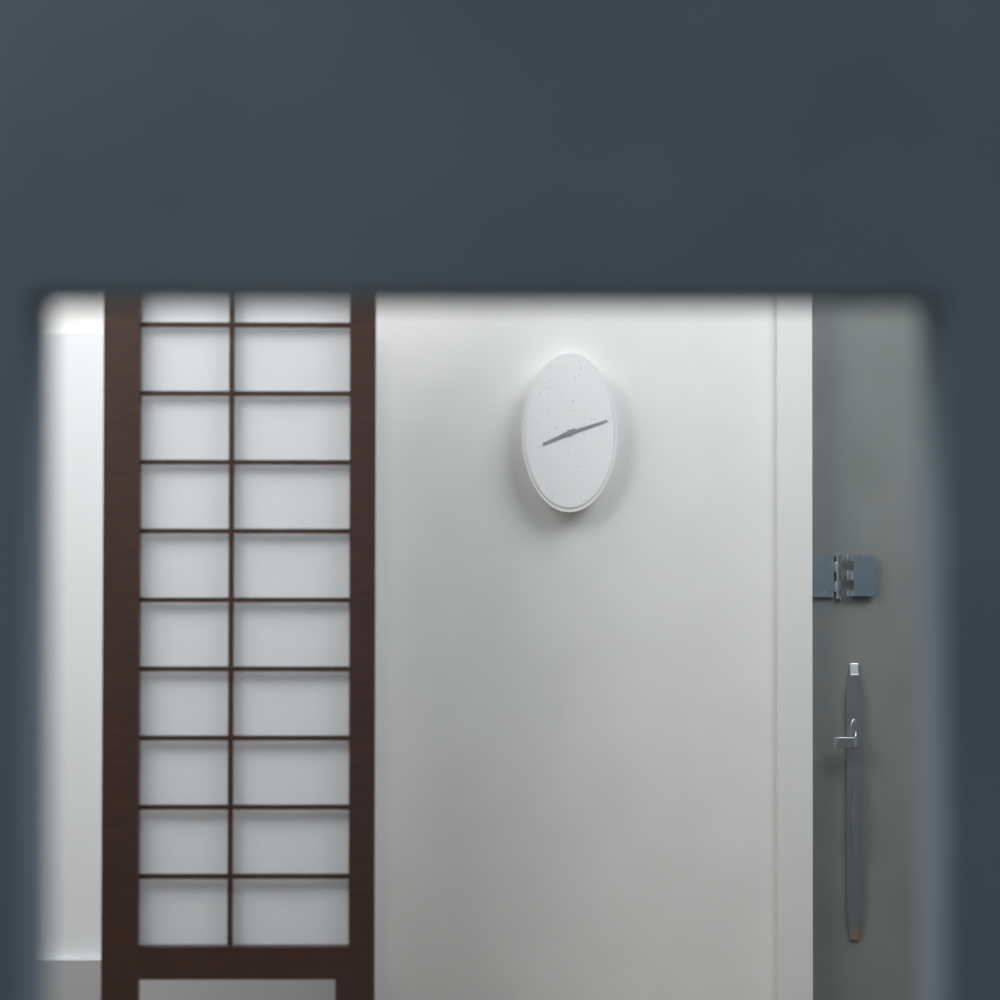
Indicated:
8:12
